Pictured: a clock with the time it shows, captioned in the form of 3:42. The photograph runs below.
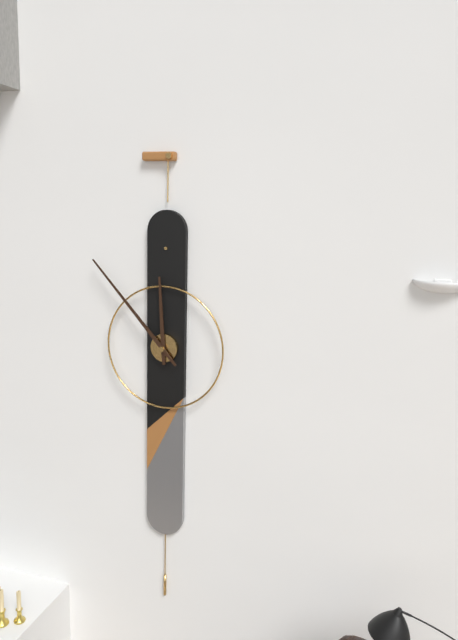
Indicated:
11:53
